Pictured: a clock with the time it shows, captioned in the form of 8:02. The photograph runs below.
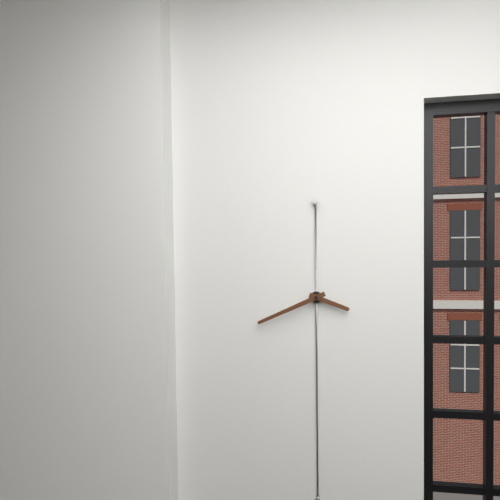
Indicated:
3:41
